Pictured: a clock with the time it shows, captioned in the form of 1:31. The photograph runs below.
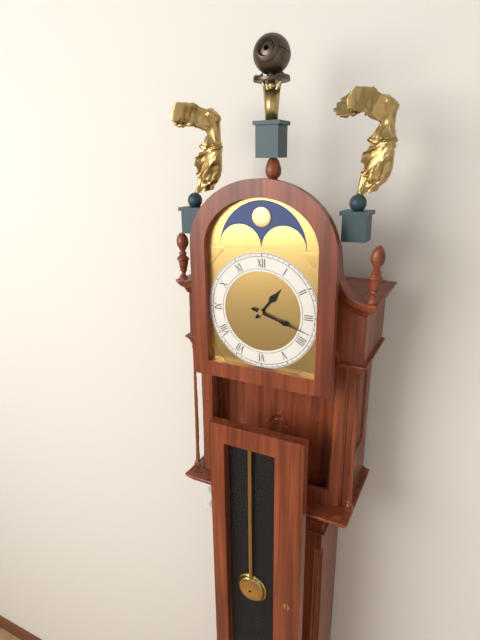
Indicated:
1:18
